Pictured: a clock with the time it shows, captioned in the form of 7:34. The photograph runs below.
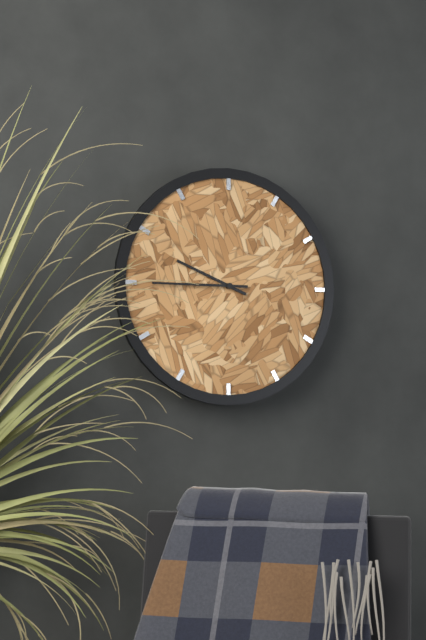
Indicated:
9:45
